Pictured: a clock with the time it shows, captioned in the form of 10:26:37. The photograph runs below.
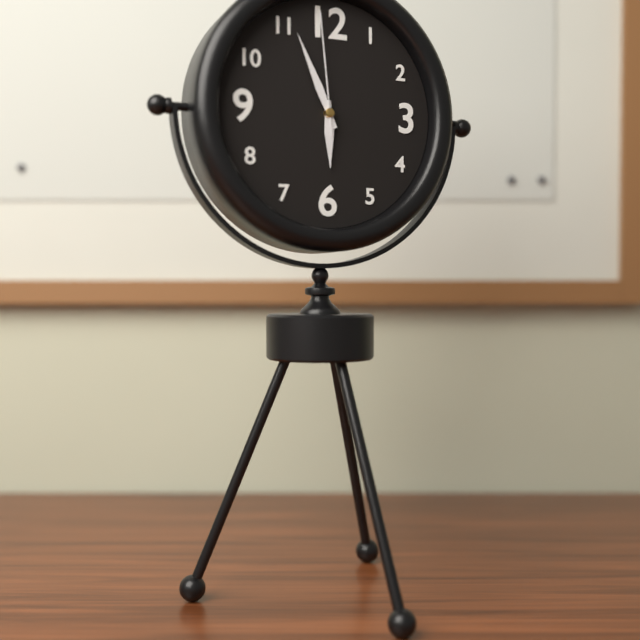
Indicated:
5:56:59
